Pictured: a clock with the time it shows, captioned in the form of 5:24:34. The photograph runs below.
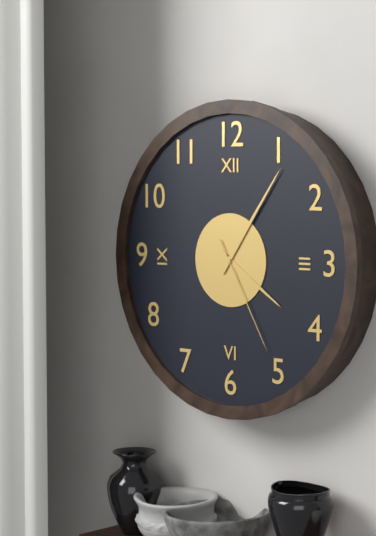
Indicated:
4:06:25
